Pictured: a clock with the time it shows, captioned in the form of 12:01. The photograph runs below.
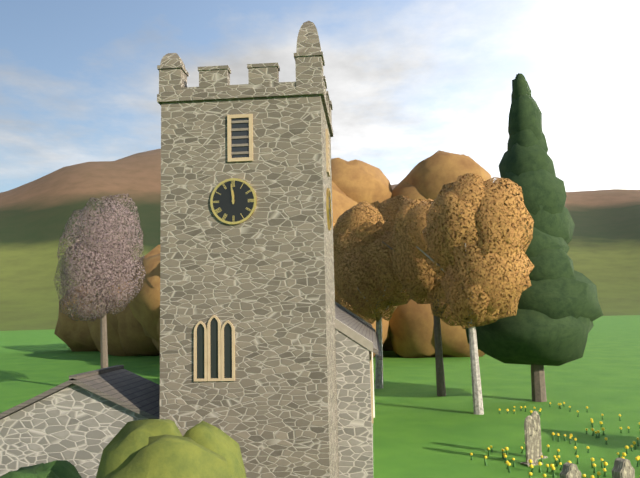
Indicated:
11:59
